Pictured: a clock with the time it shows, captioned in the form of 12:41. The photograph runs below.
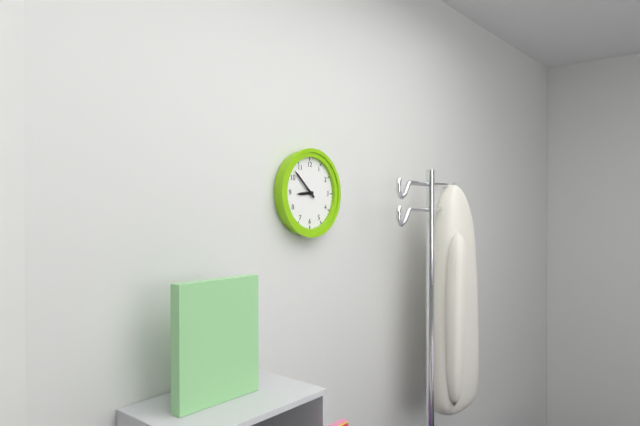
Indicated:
8:52
